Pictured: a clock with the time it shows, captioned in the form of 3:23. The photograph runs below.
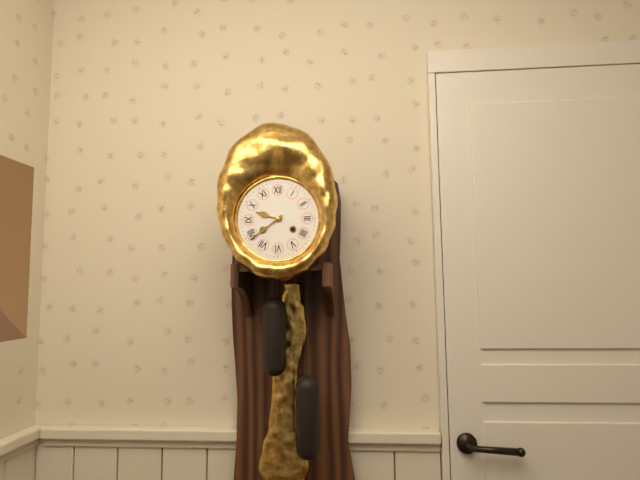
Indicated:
9:39
